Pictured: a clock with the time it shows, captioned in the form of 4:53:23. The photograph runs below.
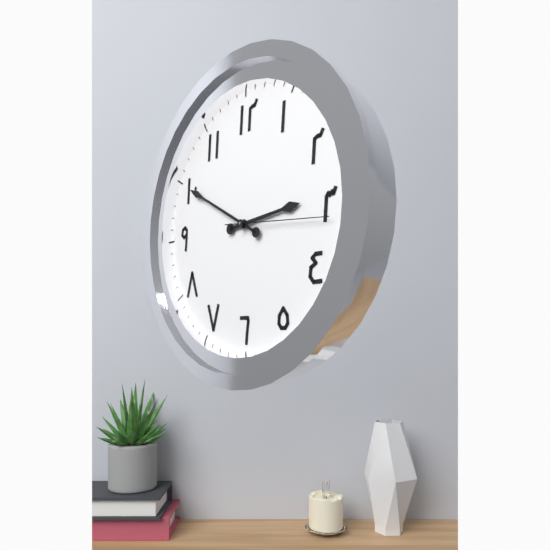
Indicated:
2:50:16
